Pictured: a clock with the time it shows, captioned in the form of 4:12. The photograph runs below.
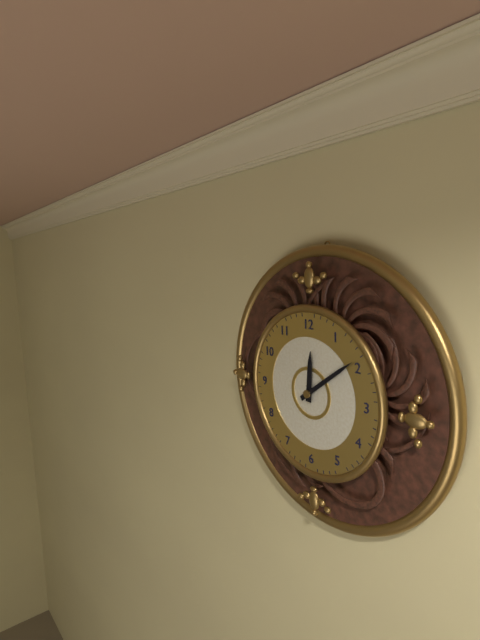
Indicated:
12:09
